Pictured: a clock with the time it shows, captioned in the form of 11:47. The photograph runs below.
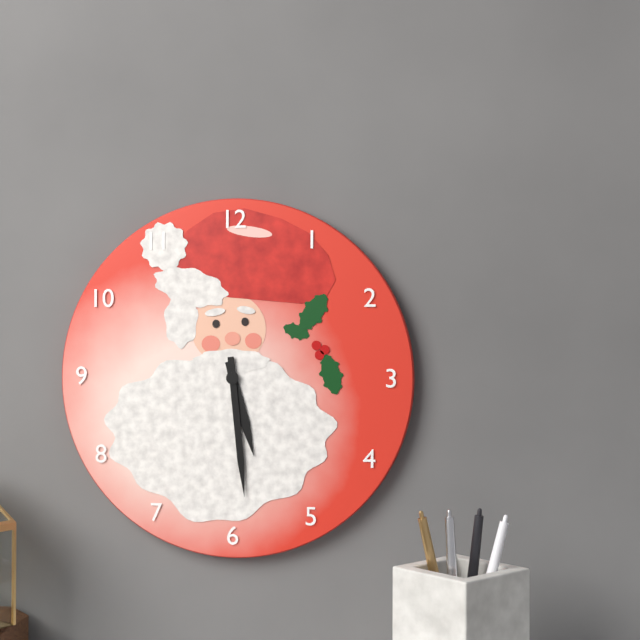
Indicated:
5:29
